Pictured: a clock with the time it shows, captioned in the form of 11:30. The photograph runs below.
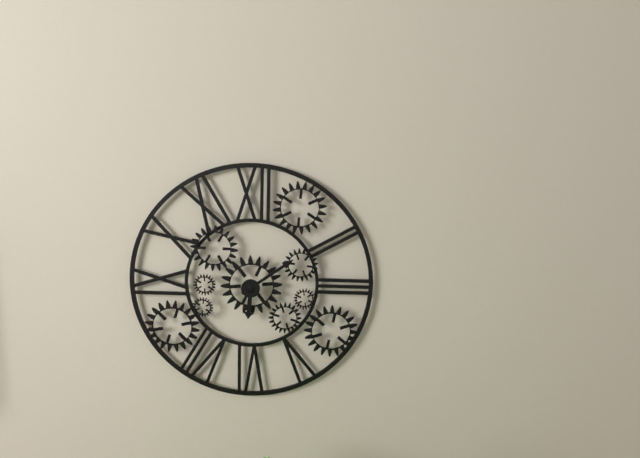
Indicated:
6:09
